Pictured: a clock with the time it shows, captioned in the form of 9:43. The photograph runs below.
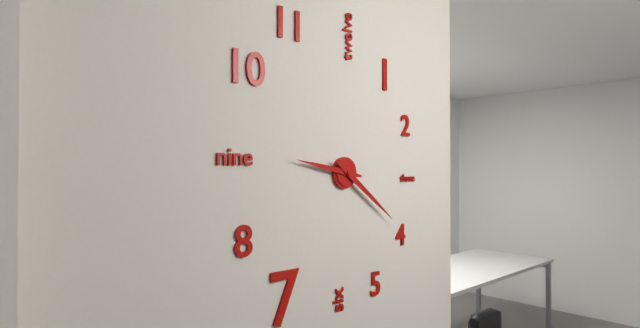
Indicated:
9:21
